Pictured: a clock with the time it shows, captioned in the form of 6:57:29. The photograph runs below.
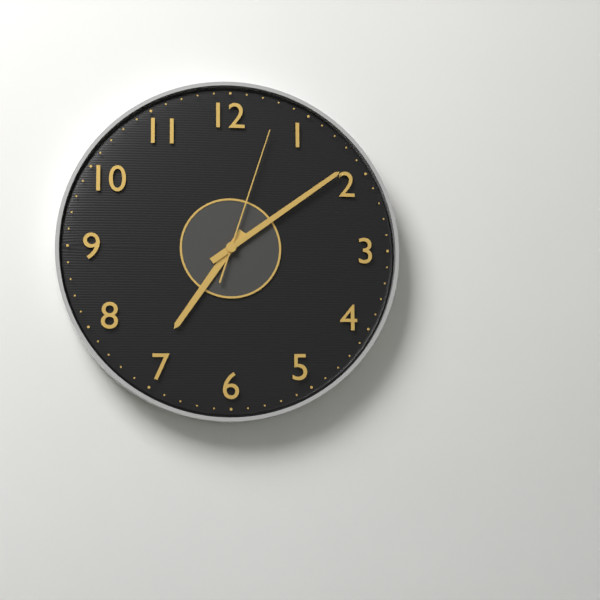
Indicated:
7:09:03
